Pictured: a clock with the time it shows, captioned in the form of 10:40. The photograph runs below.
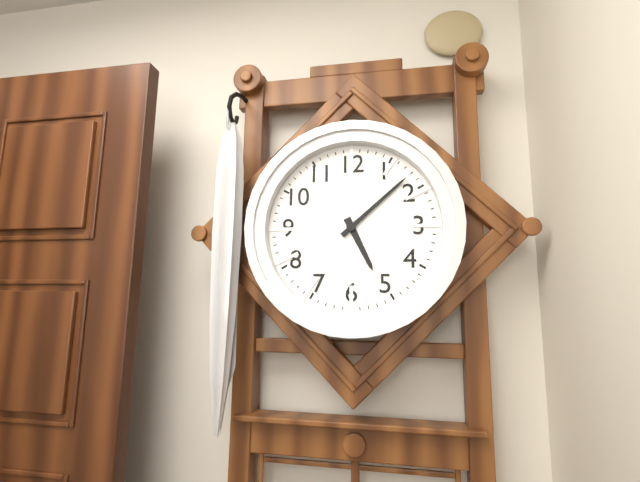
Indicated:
5:08
